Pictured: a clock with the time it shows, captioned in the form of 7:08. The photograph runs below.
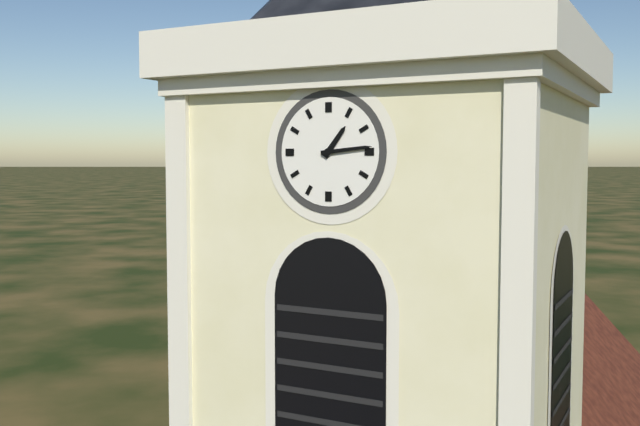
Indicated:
1:14
